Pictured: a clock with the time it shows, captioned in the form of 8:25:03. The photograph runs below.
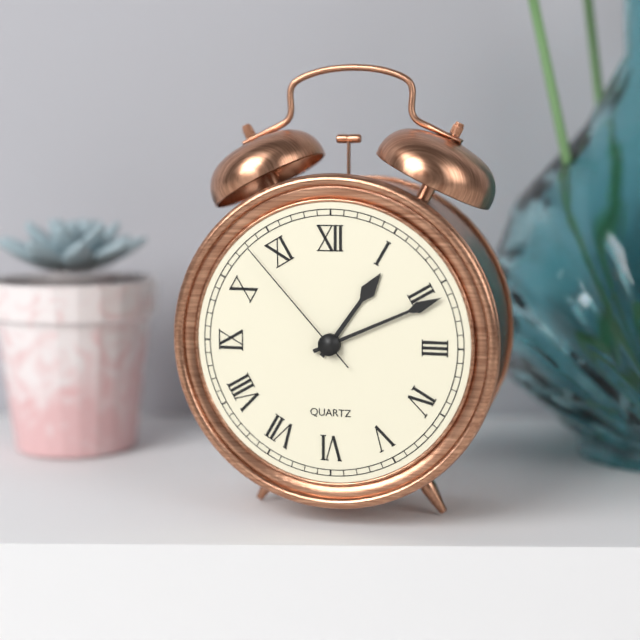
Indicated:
1:11:53
